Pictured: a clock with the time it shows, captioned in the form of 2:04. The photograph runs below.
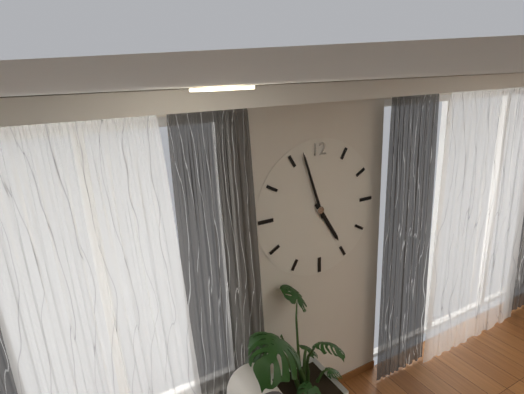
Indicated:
4:57
